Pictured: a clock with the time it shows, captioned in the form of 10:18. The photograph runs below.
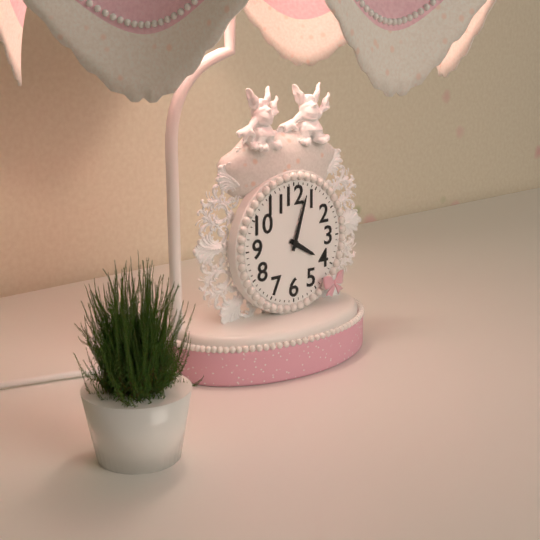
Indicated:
4:03
